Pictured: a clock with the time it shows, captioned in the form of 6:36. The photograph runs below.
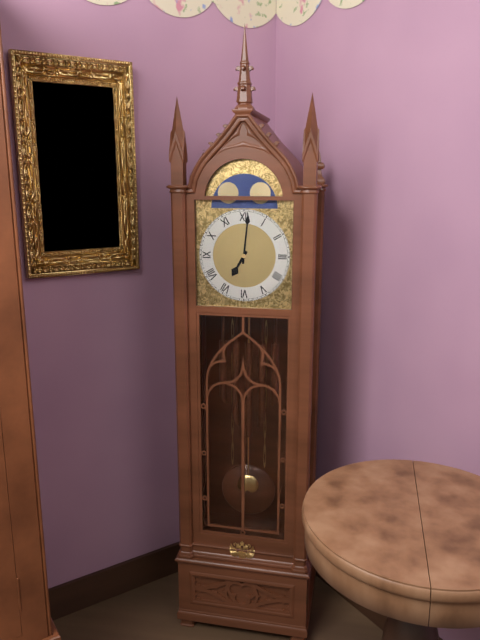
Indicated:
7:01
